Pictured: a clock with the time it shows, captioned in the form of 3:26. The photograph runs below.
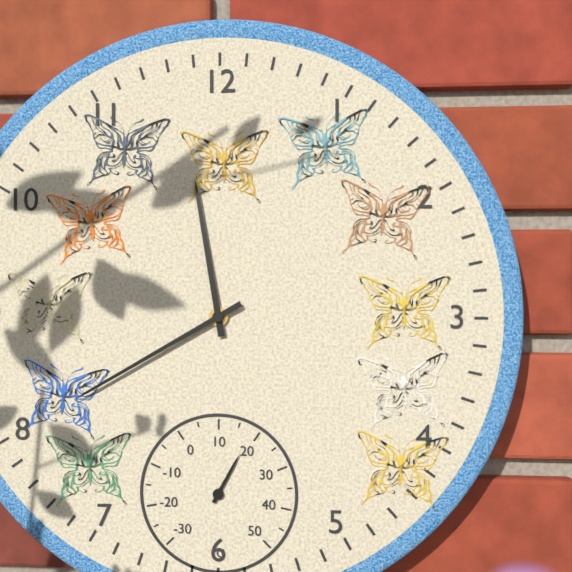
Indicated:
11:40
